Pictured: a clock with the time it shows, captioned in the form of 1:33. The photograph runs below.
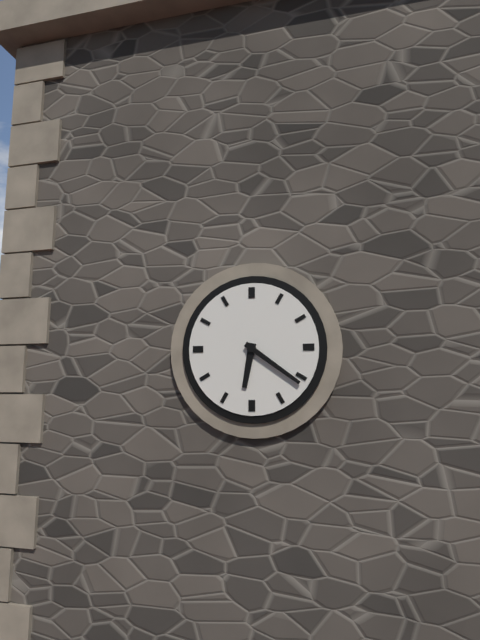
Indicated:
6:21
